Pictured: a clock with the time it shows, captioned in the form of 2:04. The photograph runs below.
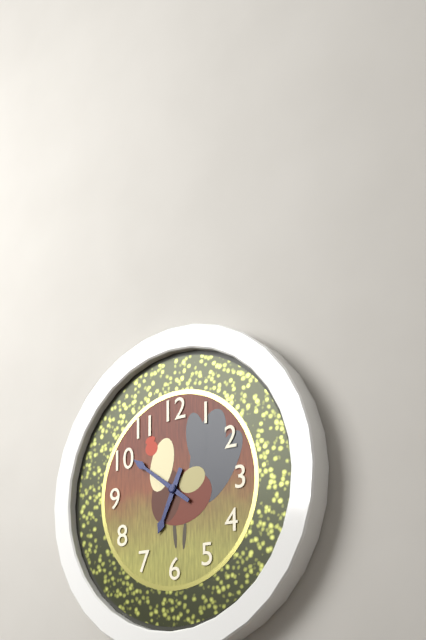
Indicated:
6:51
